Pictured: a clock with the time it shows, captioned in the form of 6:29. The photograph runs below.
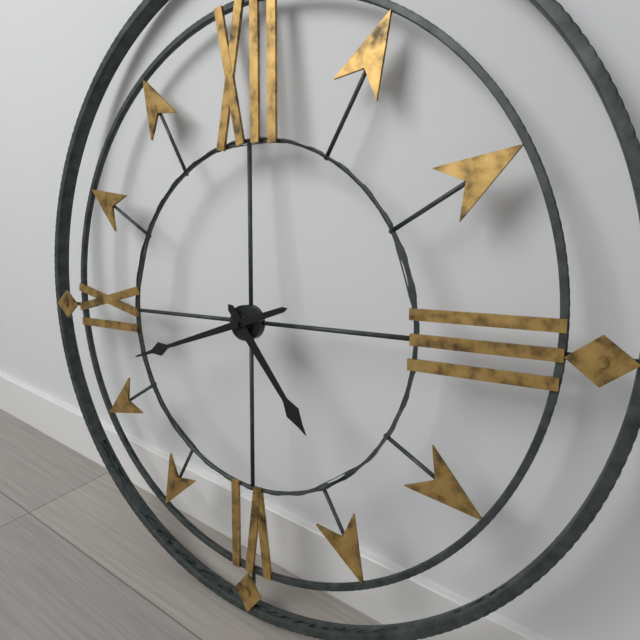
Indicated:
4:42
